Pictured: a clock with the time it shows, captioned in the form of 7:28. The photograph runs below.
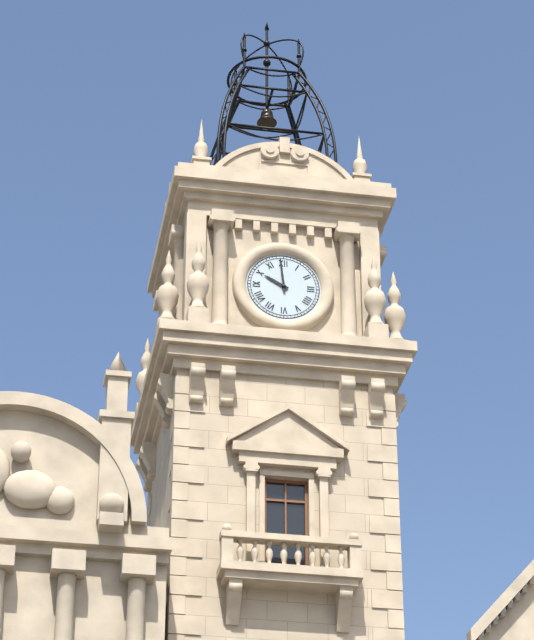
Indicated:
9:59
